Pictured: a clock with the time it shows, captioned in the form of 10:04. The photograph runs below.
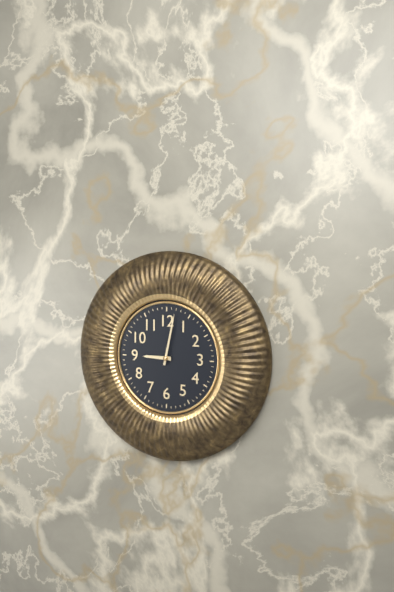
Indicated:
9:02
